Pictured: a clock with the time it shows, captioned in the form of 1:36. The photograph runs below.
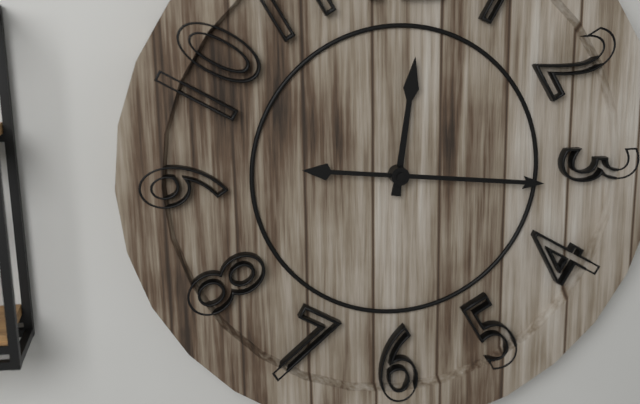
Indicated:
12:16
